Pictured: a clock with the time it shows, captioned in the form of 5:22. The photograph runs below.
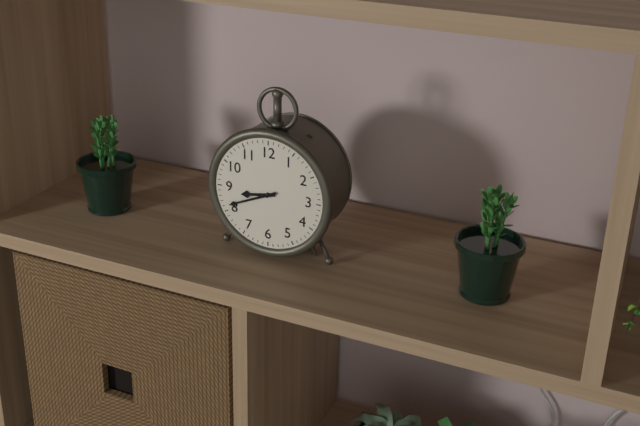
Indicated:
8:41
